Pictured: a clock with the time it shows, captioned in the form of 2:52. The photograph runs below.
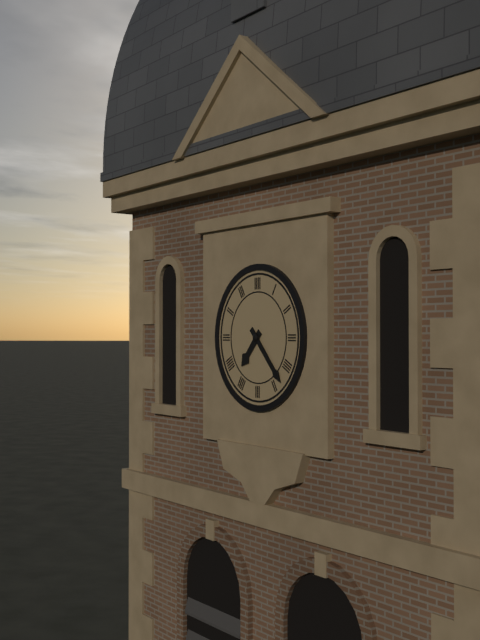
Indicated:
7:23
